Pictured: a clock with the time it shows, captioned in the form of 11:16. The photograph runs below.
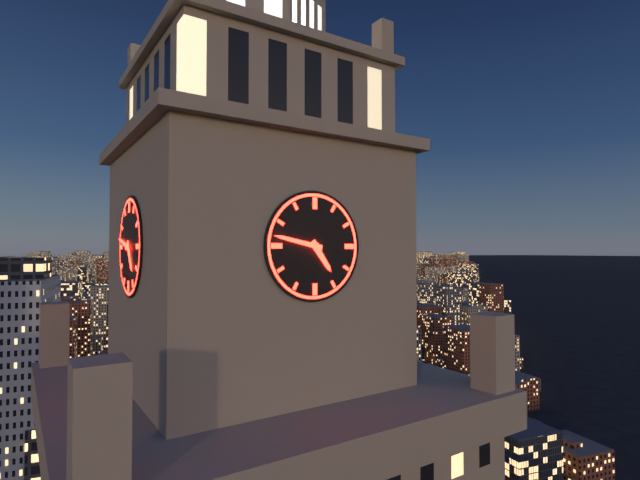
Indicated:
4:47
